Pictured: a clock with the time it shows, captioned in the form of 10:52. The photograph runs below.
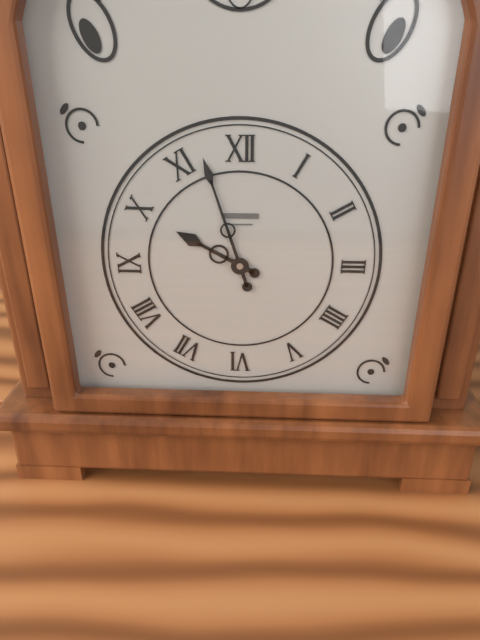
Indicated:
9:57
